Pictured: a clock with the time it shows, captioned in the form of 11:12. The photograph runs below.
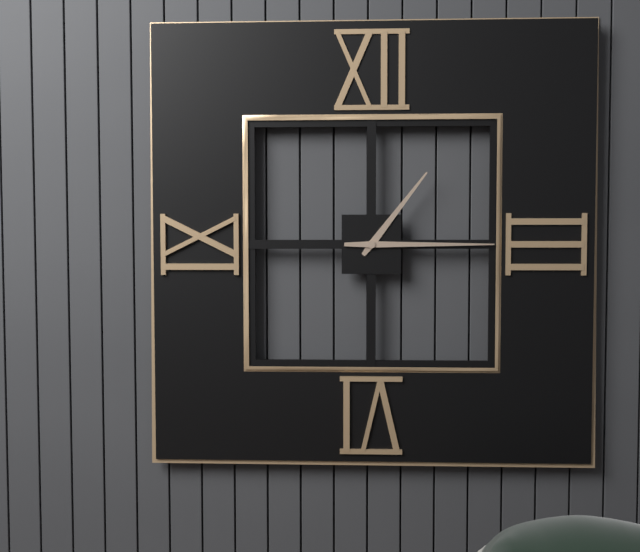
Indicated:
1:15
